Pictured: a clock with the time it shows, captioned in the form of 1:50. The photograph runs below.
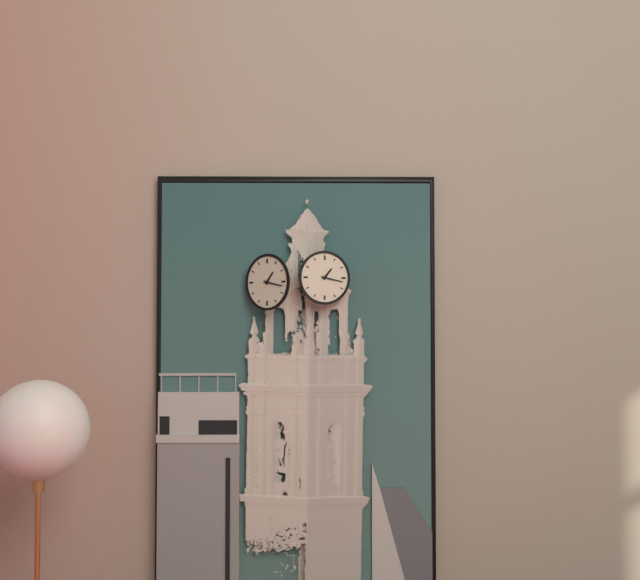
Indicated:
1:17
